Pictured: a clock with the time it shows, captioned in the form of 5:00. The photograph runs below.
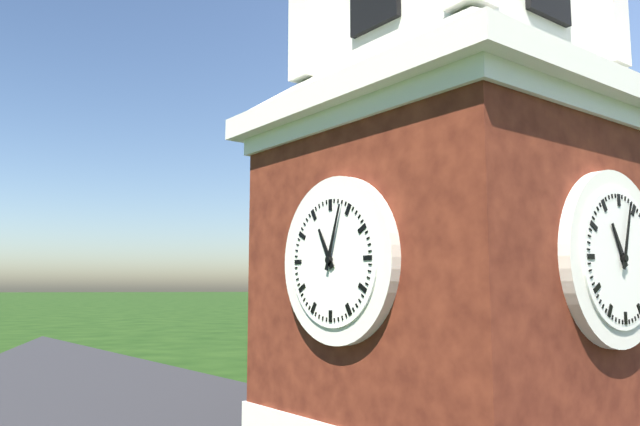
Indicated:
11:03
